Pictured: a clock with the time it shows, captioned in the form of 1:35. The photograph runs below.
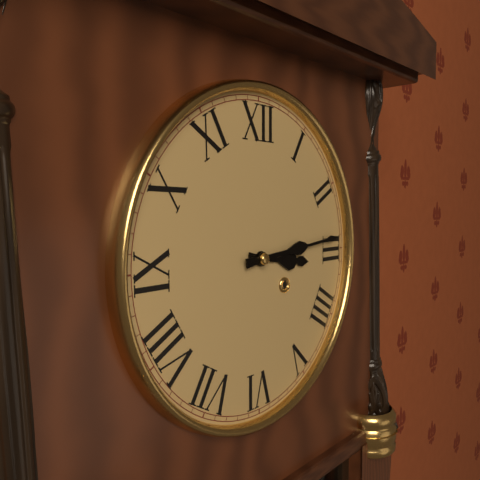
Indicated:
3:14
